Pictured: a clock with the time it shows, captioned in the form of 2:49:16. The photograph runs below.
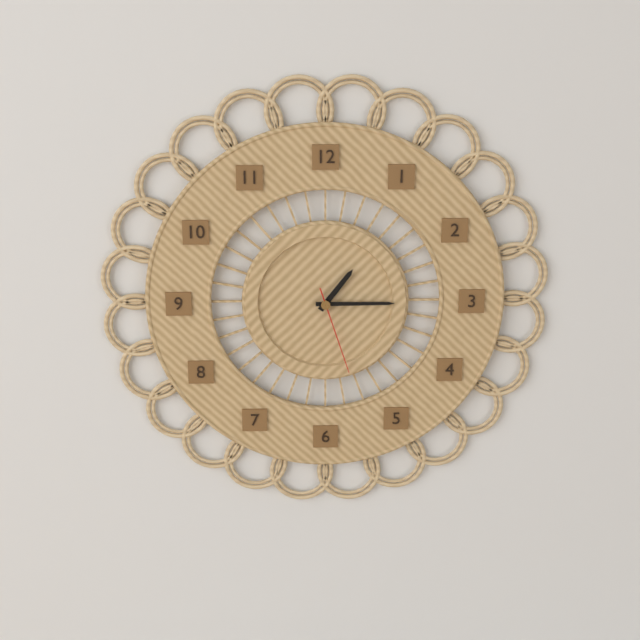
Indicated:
1:15:27
